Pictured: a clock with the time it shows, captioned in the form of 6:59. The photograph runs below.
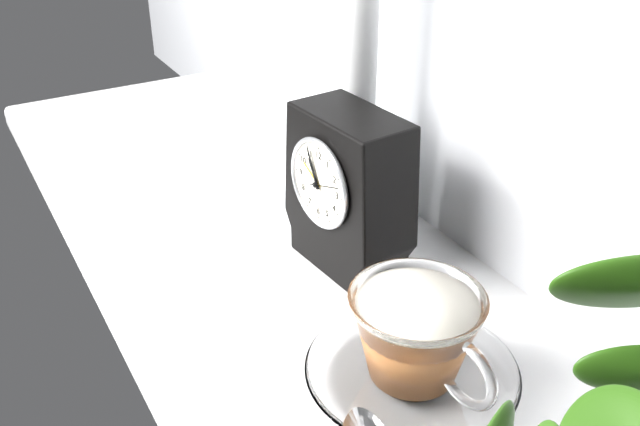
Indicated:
10:56
